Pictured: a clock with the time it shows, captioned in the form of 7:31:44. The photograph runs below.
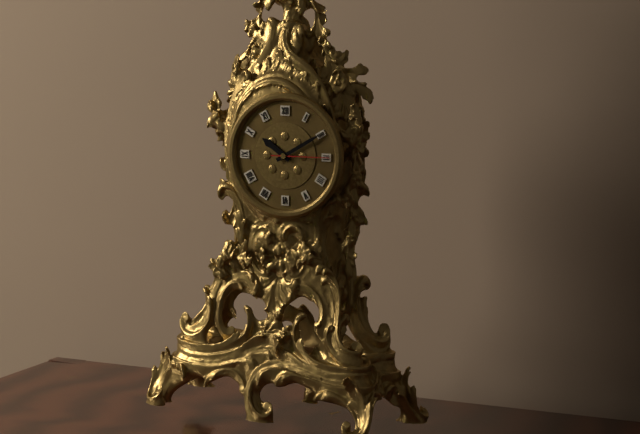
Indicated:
10:10:15
